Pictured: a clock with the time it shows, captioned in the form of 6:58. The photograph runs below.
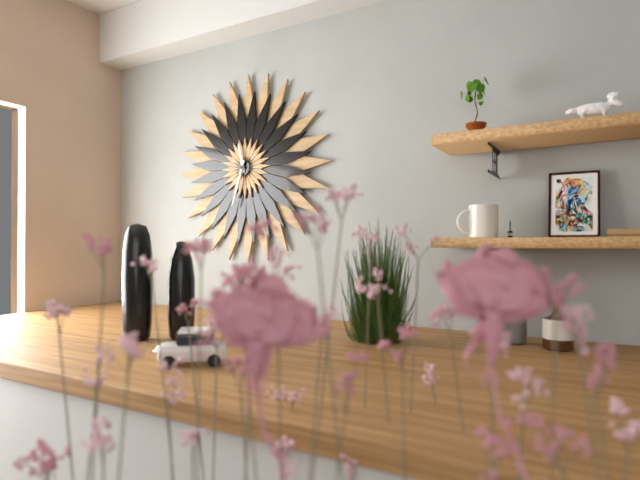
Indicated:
11:33
